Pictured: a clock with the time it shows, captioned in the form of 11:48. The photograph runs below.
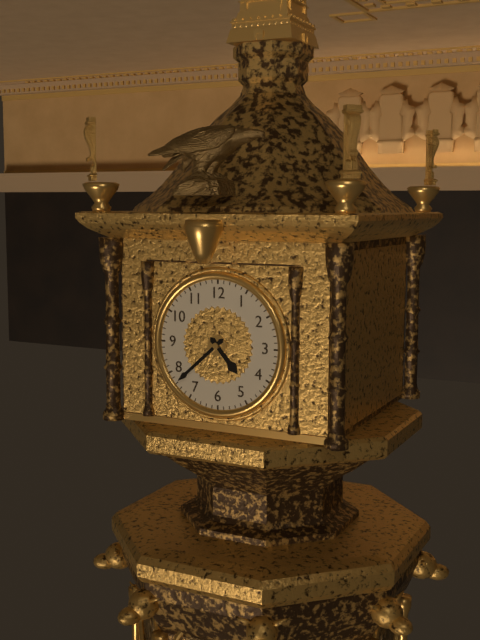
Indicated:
4:38
